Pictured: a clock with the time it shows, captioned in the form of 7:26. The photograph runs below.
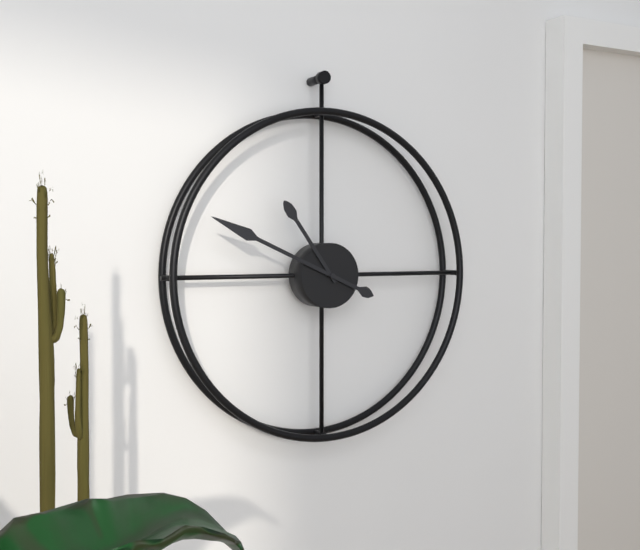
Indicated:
10:49
